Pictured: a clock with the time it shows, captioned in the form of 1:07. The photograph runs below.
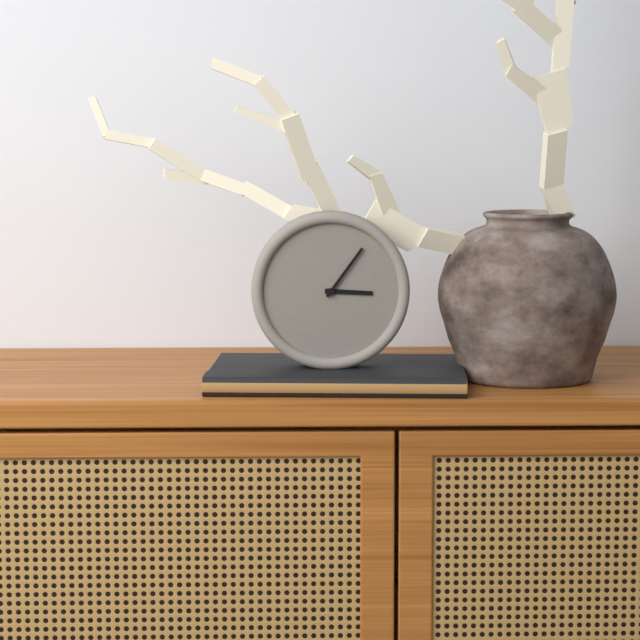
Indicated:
3:06
